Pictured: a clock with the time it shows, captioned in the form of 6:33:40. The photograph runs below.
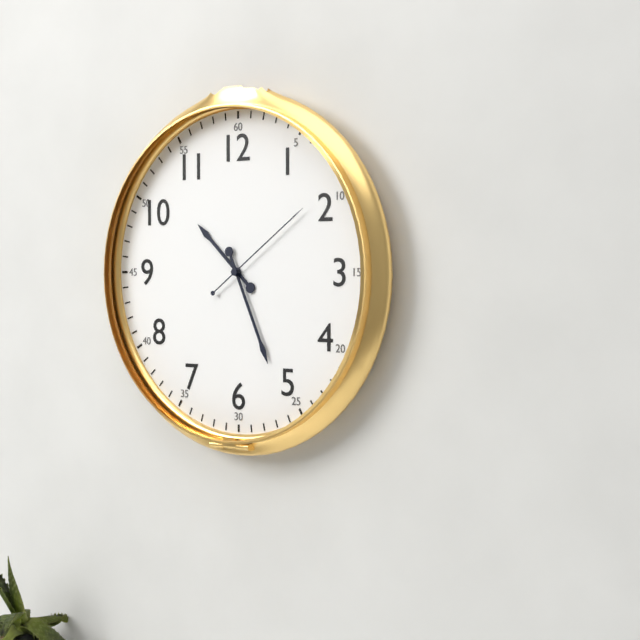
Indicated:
10:26:09
